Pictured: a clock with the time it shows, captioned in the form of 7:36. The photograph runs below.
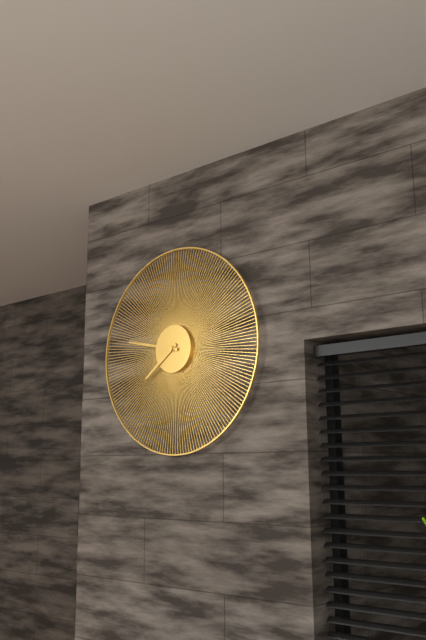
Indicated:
7:47
